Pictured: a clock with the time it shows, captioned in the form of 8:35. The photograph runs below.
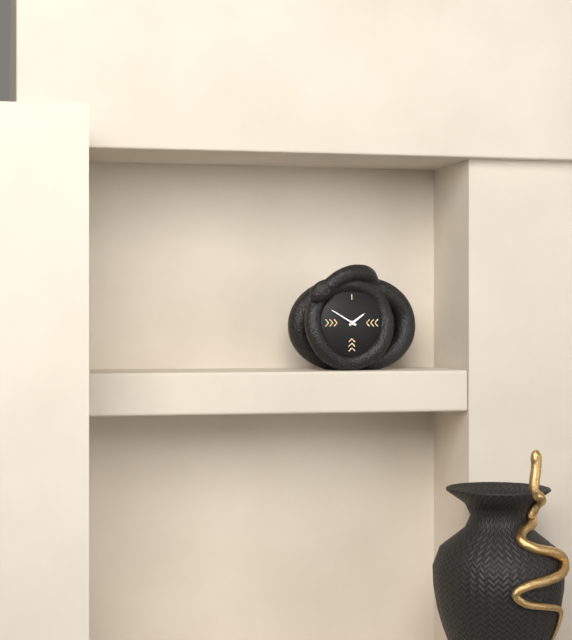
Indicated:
1:50
